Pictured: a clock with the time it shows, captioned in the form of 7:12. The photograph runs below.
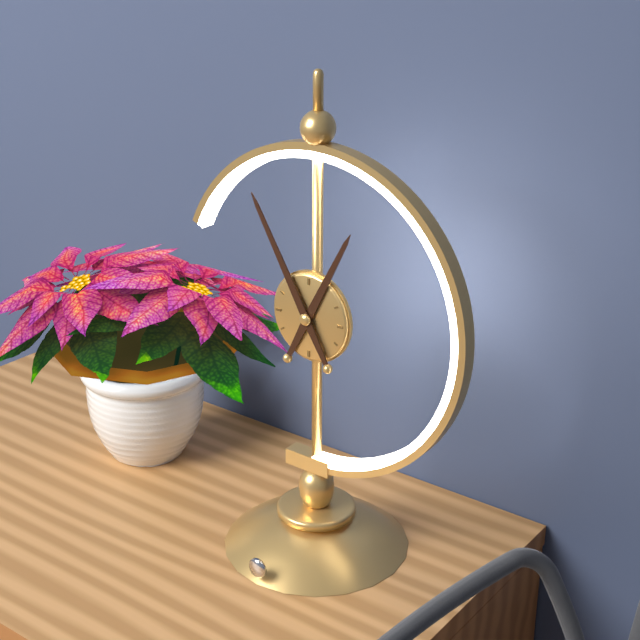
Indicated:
12:55
